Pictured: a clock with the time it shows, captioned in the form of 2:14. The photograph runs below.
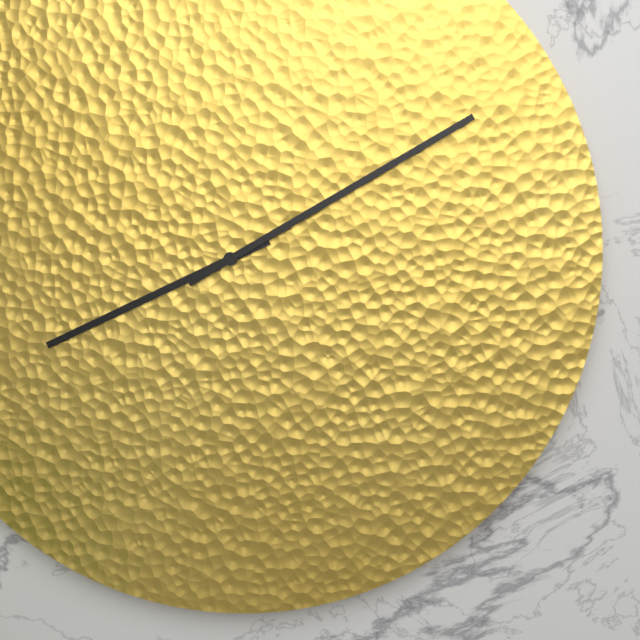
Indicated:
8:10
